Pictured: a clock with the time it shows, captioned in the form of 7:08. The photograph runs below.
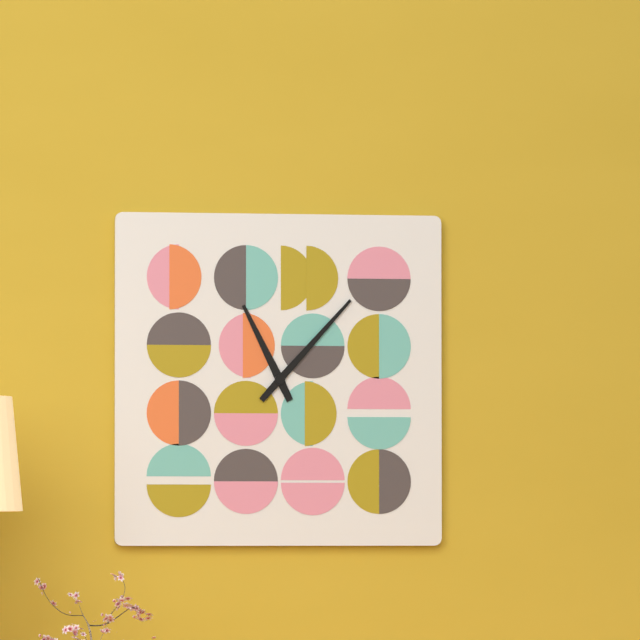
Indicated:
11:07
